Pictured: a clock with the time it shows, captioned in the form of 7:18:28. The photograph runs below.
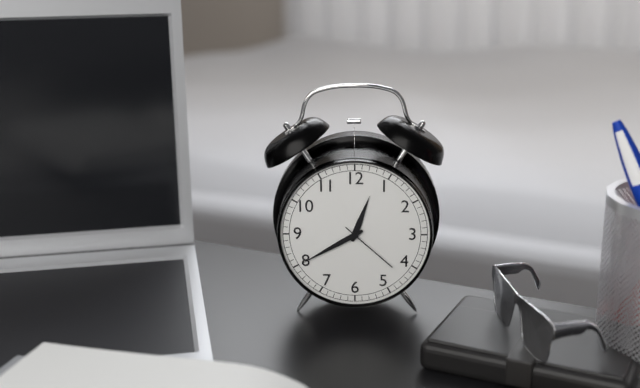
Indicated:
12:40:22
